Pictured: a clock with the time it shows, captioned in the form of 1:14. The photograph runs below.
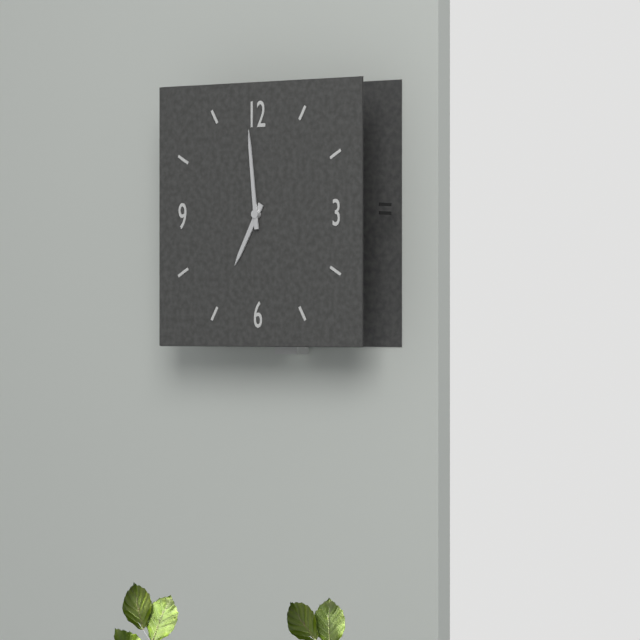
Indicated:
6:59
